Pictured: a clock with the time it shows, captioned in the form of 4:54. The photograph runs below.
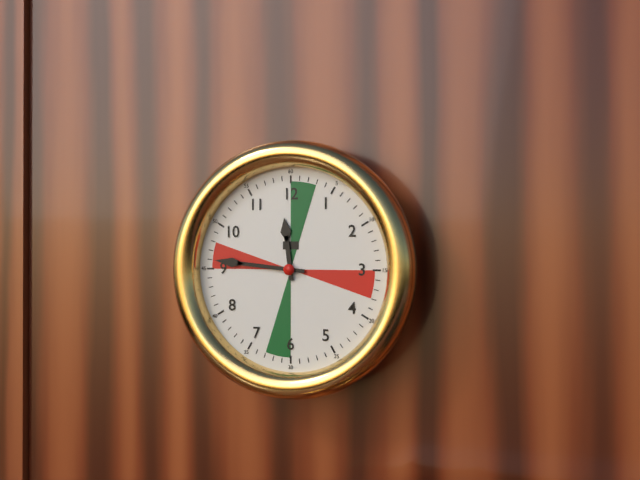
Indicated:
11:46
